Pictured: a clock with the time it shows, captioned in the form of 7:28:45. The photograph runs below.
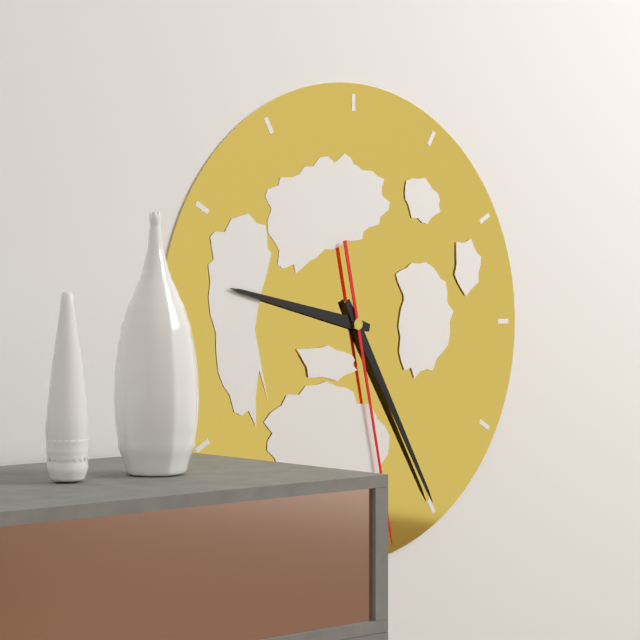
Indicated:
9:25:28
